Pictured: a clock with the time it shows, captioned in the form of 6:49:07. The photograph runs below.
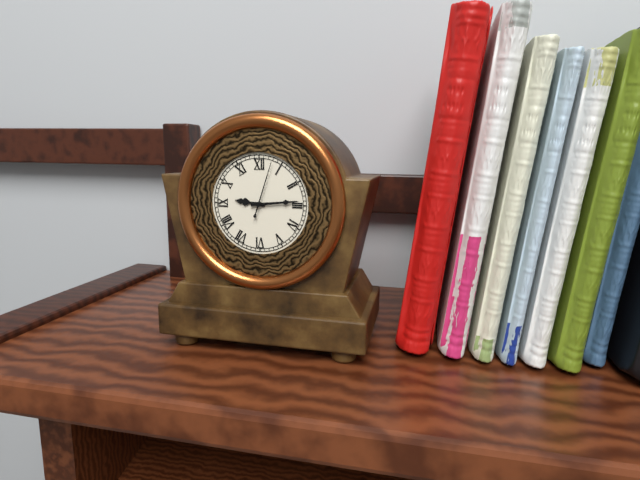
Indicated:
9:14:03
